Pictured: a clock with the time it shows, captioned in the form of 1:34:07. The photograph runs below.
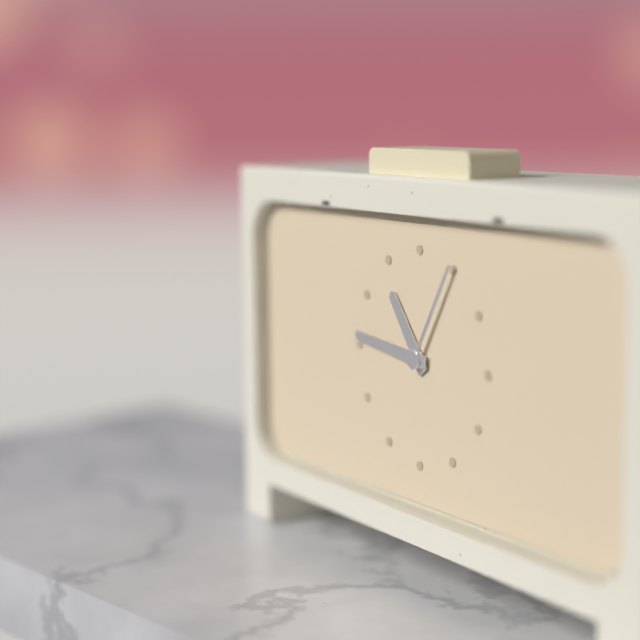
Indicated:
10:46:05
